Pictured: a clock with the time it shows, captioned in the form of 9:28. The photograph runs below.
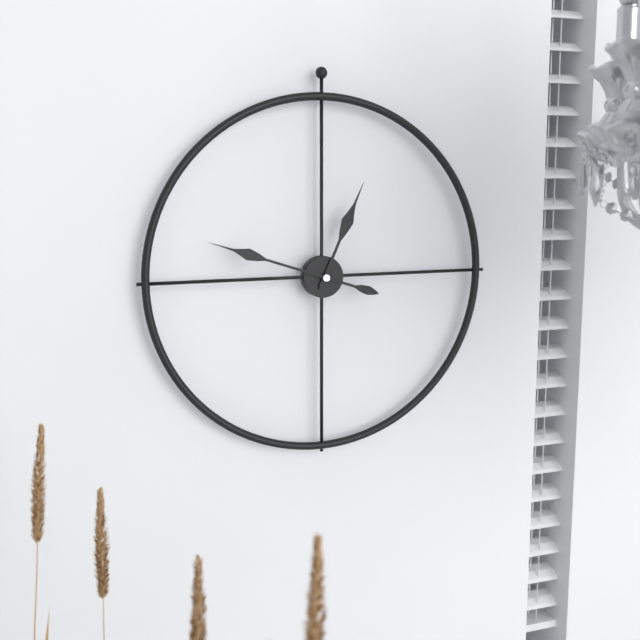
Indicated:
12:48
